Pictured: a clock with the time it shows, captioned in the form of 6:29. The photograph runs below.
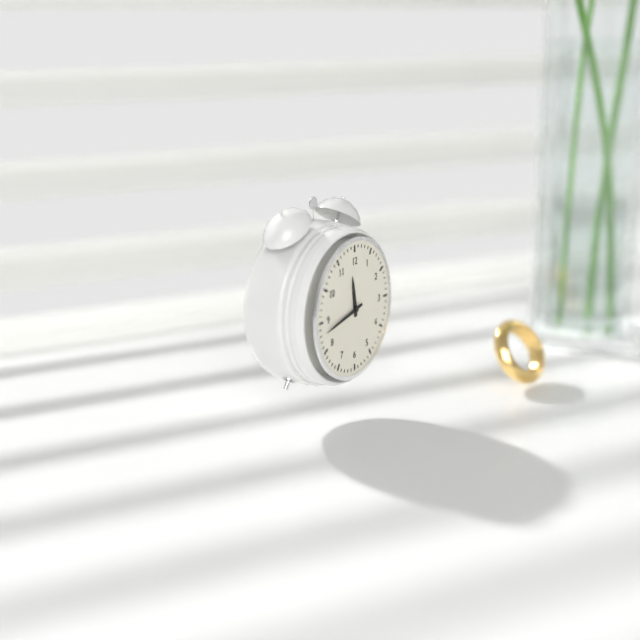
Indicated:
11:43
